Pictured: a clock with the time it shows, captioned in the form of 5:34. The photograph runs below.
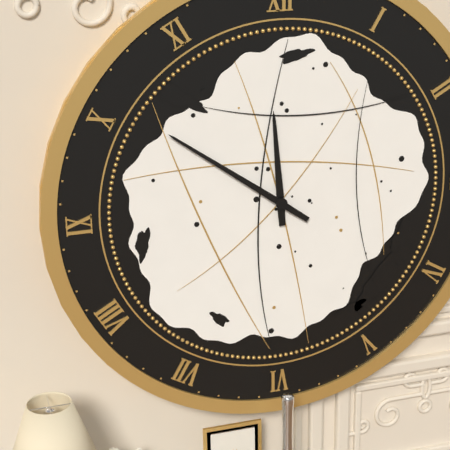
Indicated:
11:51
